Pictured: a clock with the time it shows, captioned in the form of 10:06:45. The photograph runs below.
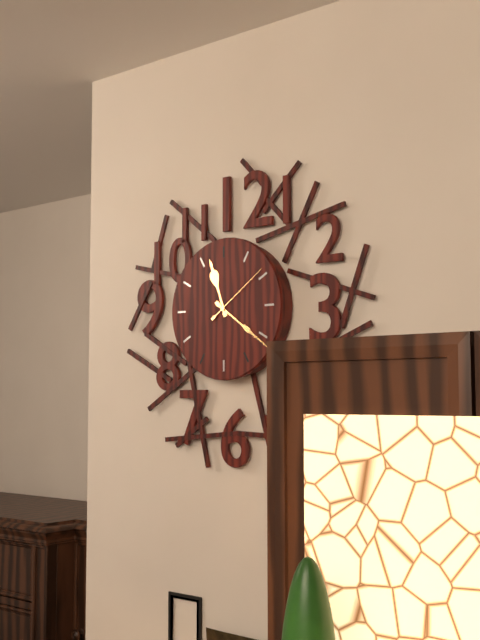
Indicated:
11:21:09
